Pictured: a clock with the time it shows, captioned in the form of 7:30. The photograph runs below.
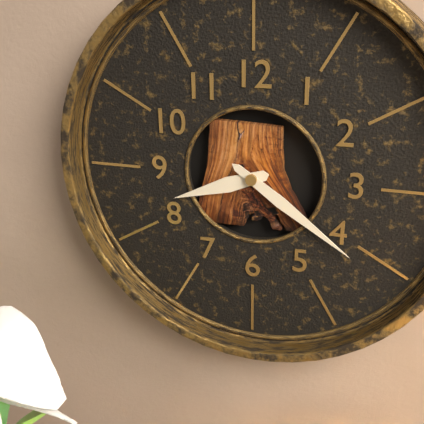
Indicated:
8:21
